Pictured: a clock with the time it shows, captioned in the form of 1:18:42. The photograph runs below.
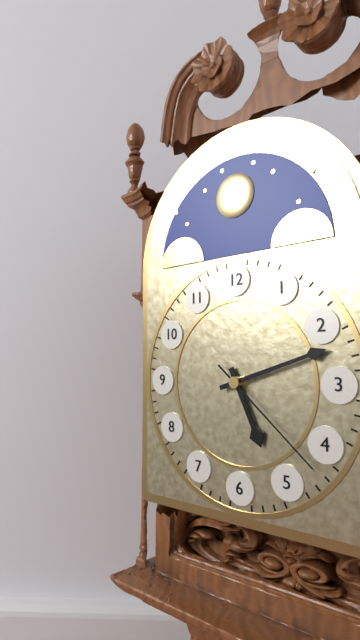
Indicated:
5:12:22
